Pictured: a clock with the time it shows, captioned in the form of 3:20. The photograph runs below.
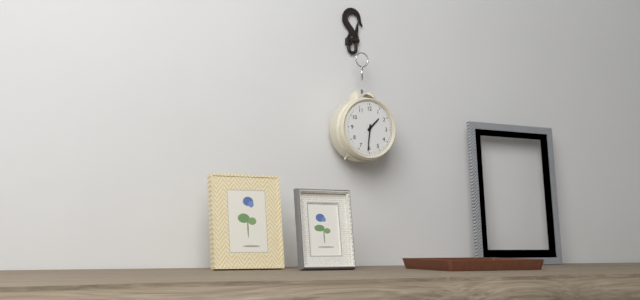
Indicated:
1:31
